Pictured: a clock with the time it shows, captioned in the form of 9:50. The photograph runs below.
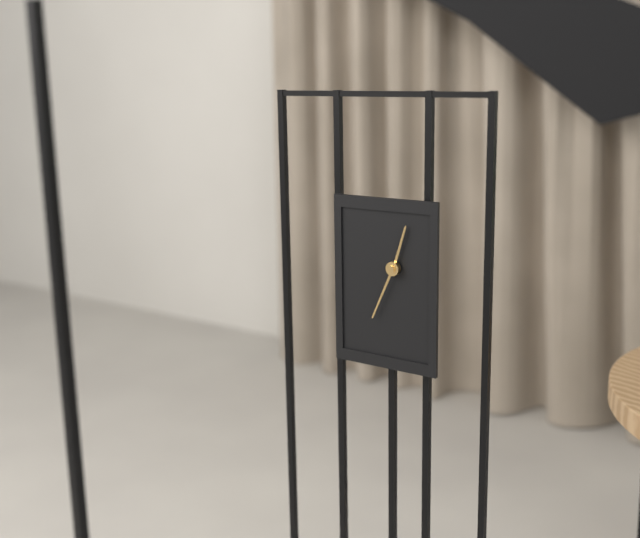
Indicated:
12:34
